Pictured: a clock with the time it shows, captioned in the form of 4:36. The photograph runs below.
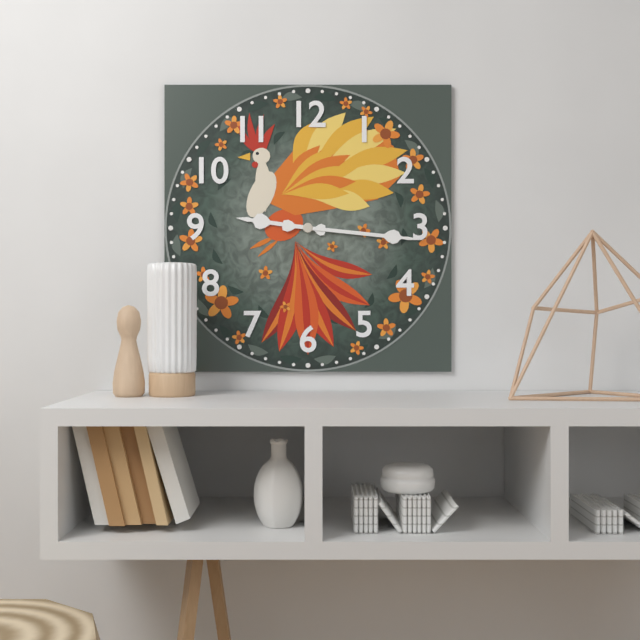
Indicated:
9:16
